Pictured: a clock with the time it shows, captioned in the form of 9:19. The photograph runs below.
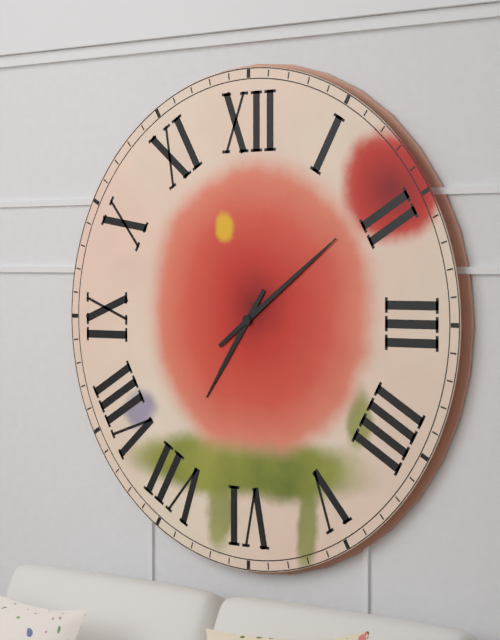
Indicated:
7:09
